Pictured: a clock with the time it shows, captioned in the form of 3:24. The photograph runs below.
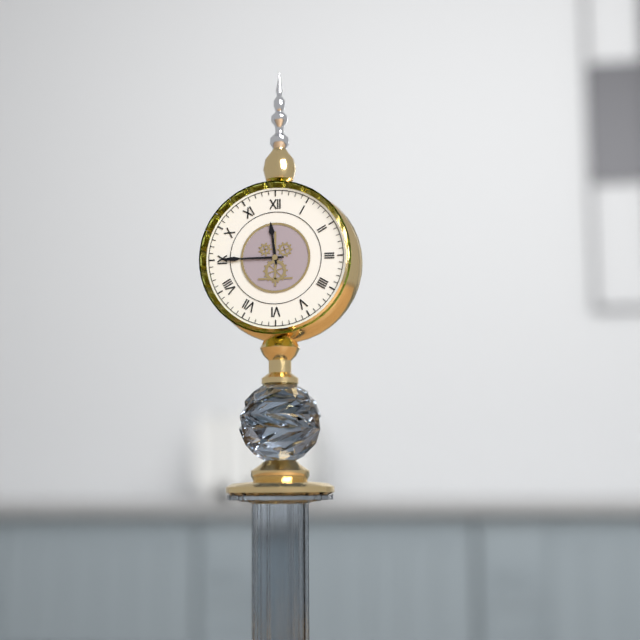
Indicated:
11:45
